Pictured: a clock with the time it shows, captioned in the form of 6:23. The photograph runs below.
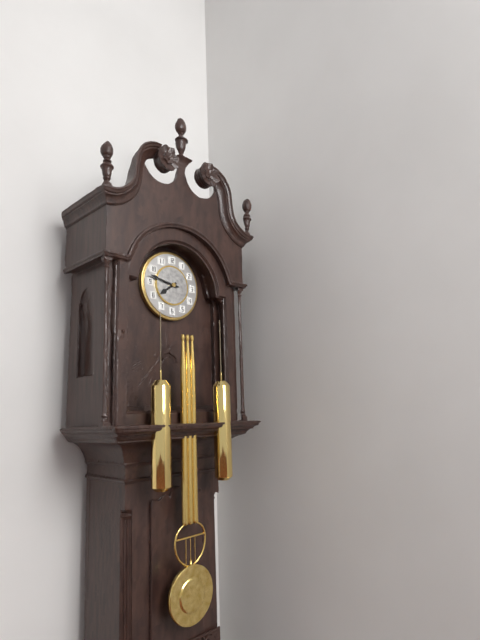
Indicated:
7:47
